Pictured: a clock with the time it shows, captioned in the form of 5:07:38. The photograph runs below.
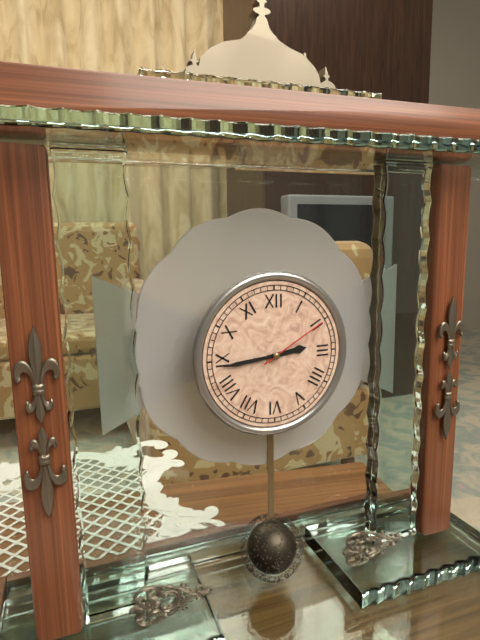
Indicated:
2:44:10
